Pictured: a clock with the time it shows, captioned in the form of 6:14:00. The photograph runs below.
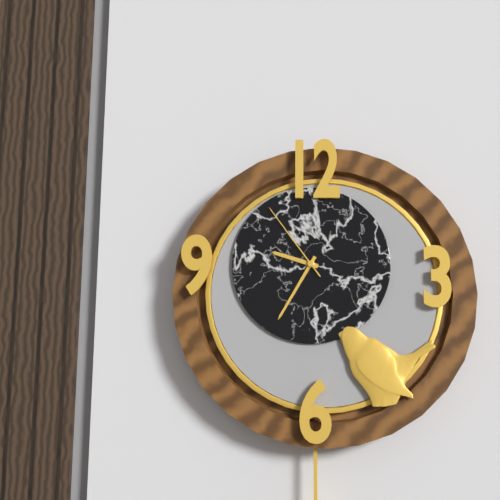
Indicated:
9:35:54
